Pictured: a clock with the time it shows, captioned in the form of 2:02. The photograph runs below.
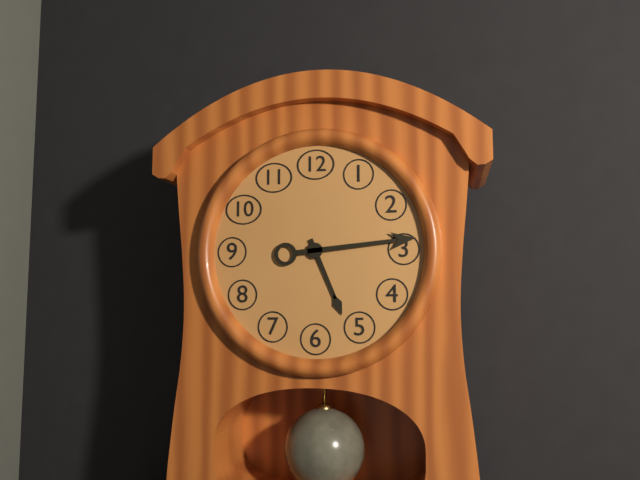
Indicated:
5:14
